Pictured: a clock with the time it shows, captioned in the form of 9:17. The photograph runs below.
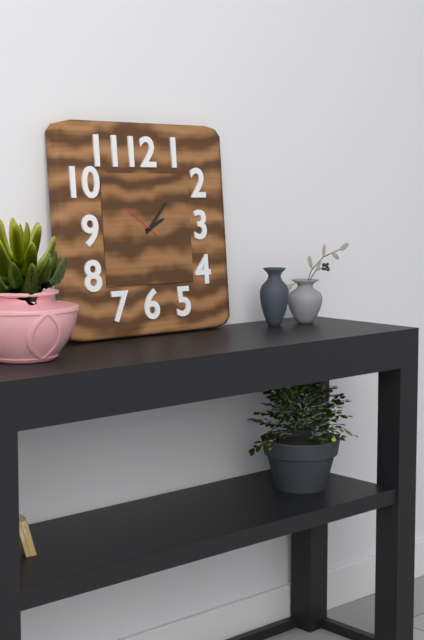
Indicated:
2:07
